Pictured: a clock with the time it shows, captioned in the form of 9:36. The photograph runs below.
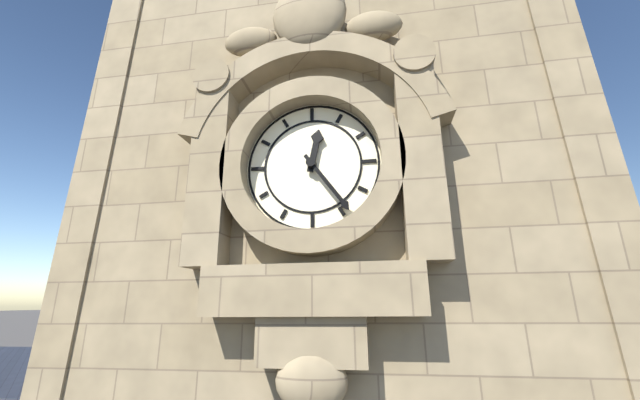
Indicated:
12:24
